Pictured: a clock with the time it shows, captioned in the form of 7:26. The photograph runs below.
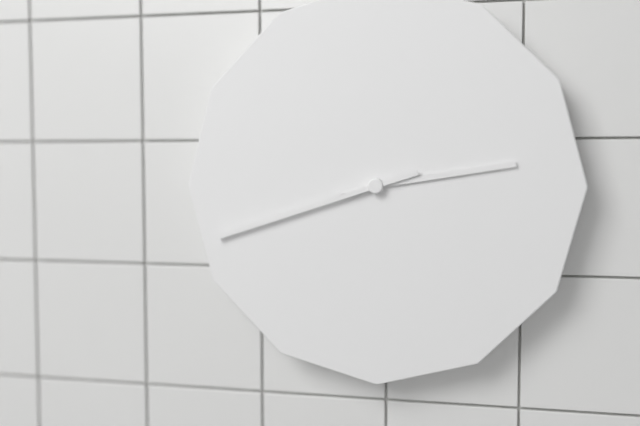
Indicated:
2:42
